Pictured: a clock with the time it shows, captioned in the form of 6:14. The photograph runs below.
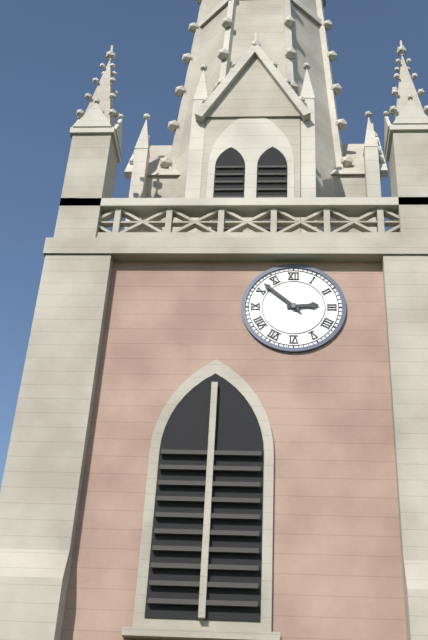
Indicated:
2:52
